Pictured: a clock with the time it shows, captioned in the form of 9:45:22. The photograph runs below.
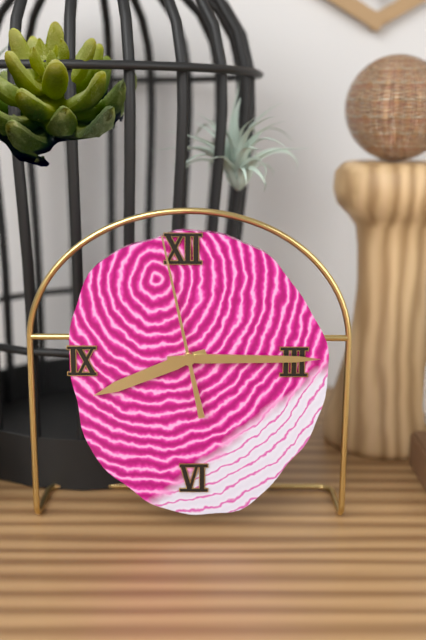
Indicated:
8:15:58
